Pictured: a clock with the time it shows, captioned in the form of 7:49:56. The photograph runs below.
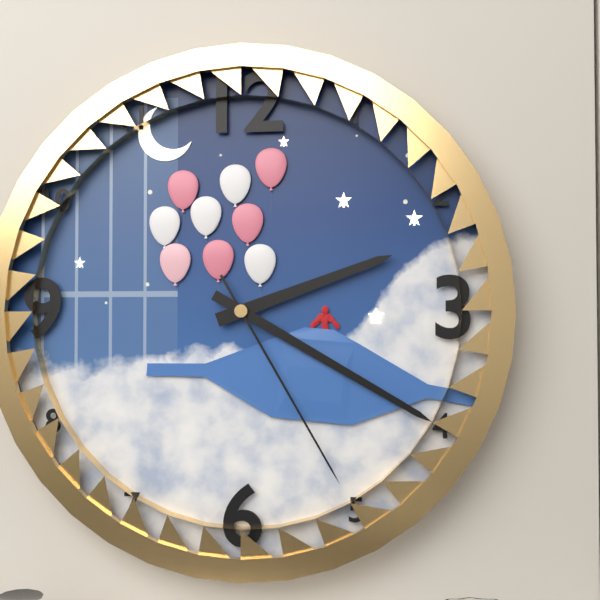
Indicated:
2:20:25
